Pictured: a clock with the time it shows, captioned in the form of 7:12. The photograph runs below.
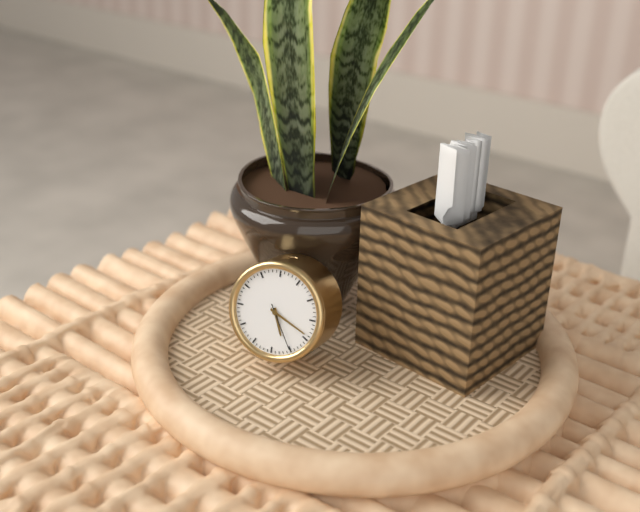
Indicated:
5:19
